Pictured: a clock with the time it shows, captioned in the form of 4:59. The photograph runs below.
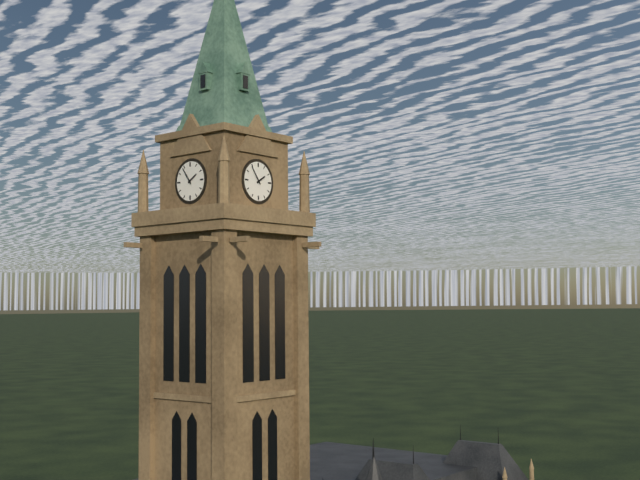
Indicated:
1:54
